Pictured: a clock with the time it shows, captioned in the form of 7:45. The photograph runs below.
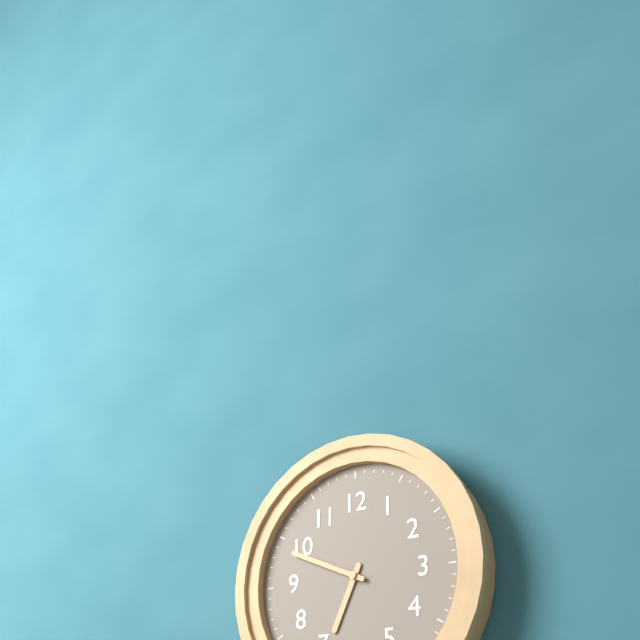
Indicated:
6:49
